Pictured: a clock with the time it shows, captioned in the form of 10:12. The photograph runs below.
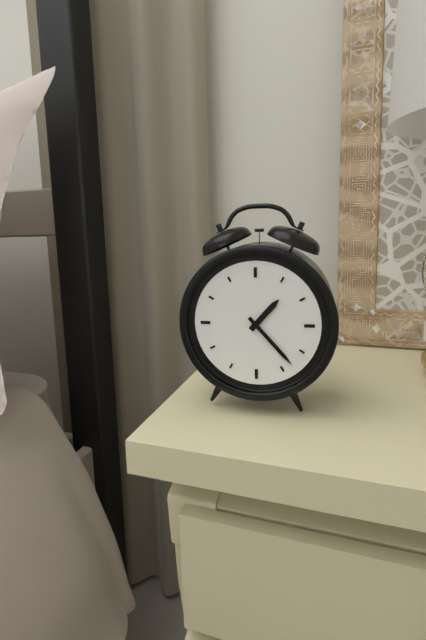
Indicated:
1:23
